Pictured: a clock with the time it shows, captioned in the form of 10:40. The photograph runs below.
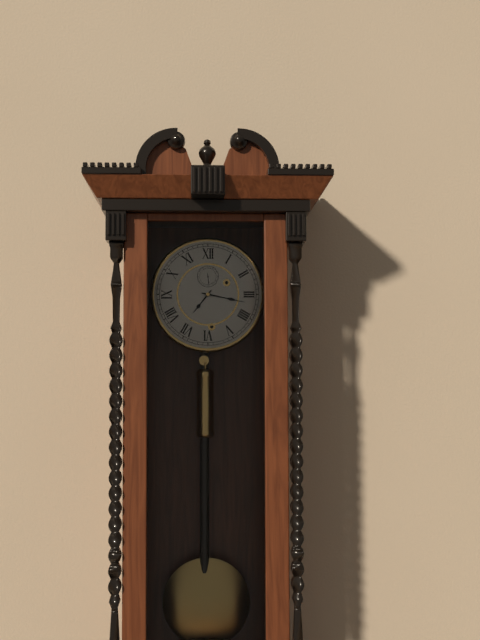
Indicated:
7:17
